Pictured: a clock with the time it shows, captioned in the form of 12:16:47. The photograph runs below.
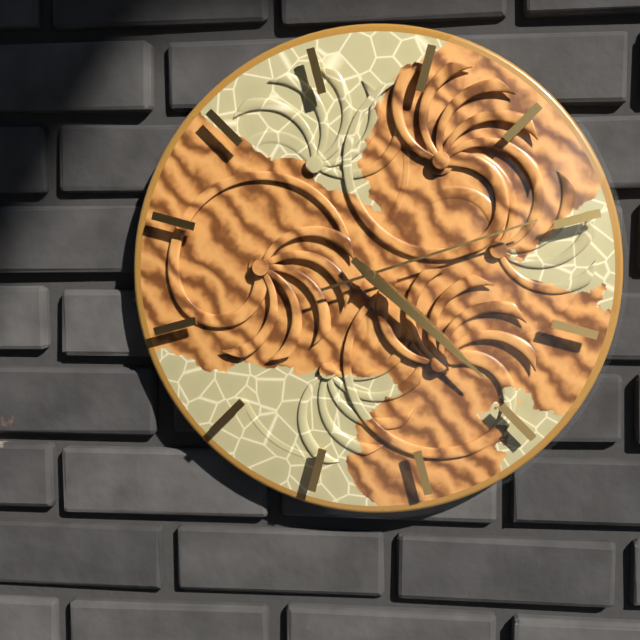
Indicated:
4:22:12
